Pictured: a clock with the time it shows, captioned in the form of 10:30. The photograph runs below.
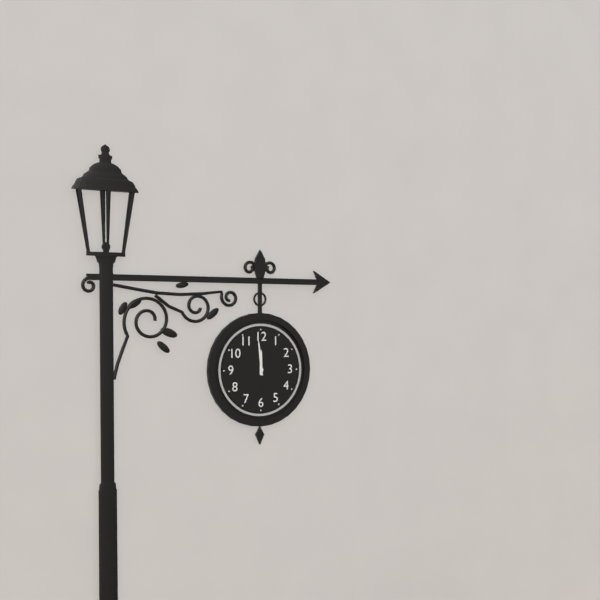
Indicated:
11:59
